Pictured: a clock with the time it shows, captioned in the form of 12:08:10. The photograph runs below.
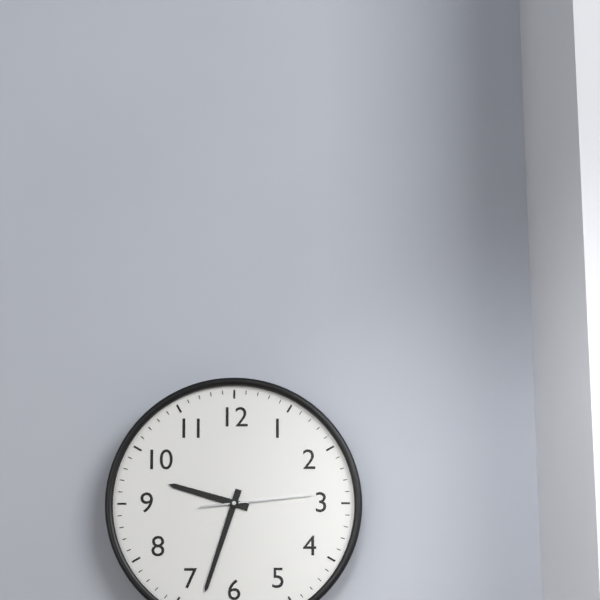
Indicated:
9:33:14
